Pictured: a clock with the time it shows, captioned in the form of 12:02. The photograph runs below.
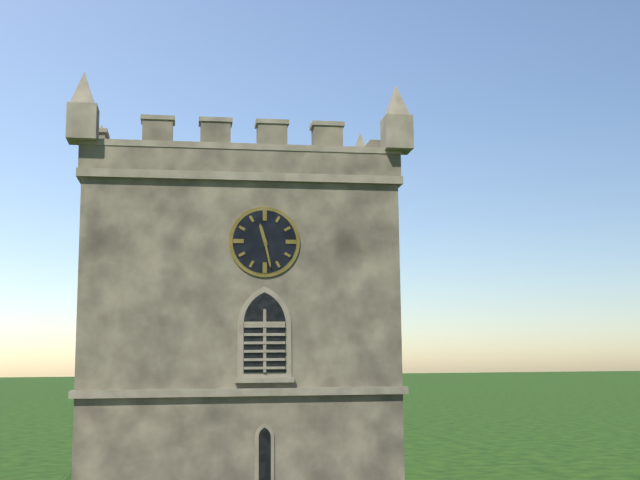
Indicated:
11:28
